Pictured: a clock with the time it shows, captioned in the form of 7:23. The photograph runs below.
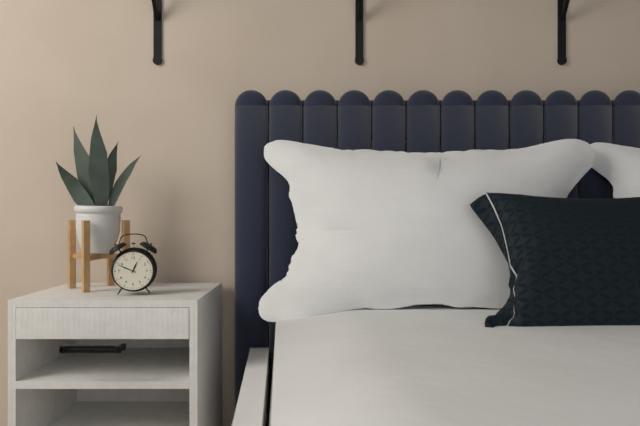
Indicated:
12:49
